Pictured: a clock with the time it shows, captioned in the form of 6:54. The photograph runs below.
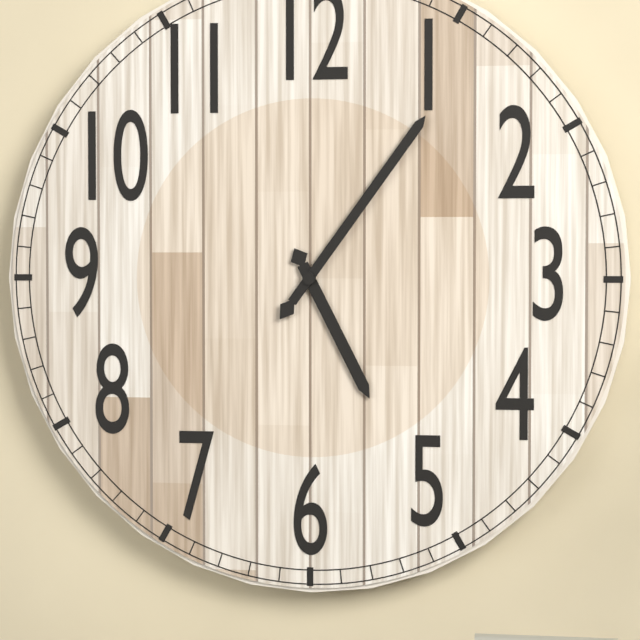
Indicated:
5:06
